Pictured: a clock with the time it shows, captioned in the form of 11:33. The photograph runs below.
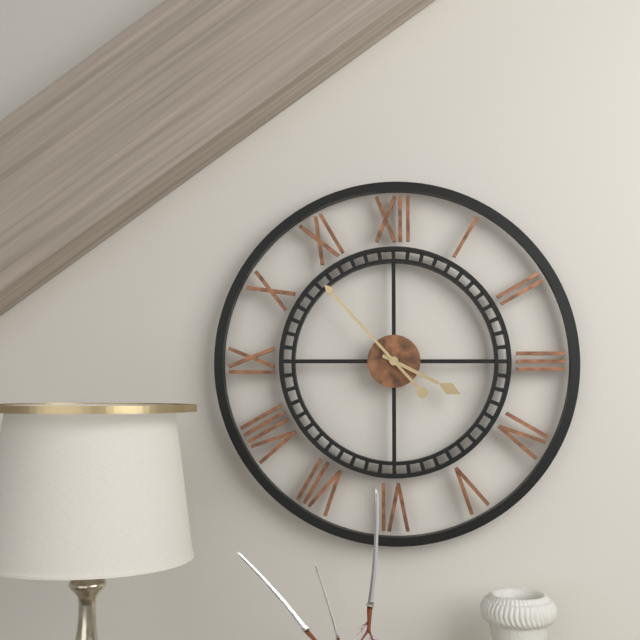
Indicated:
3:53
